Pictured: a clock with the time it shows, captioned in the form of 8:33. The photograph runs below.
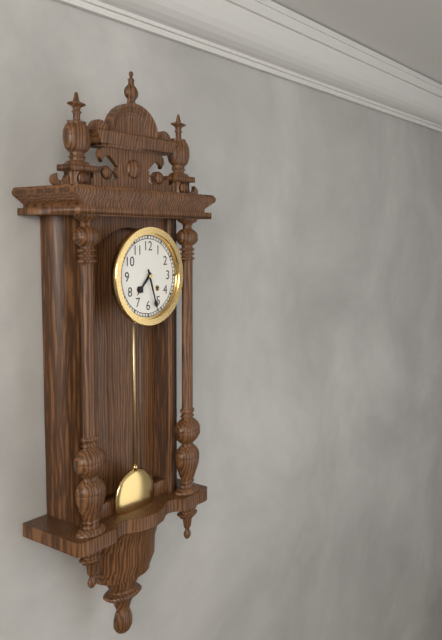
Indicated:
7:27
